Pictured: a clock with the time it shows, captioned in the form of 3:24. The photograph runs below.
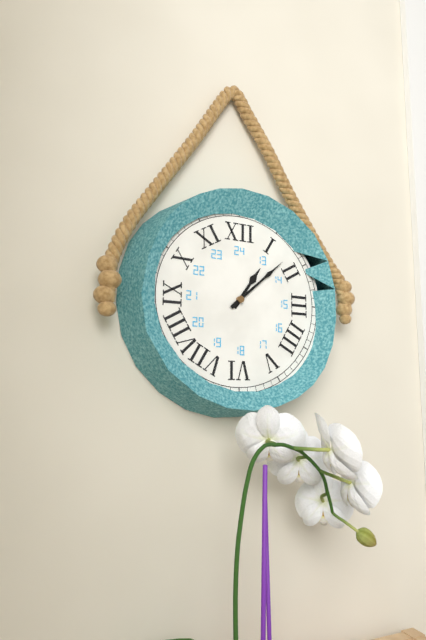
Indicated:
1:08
